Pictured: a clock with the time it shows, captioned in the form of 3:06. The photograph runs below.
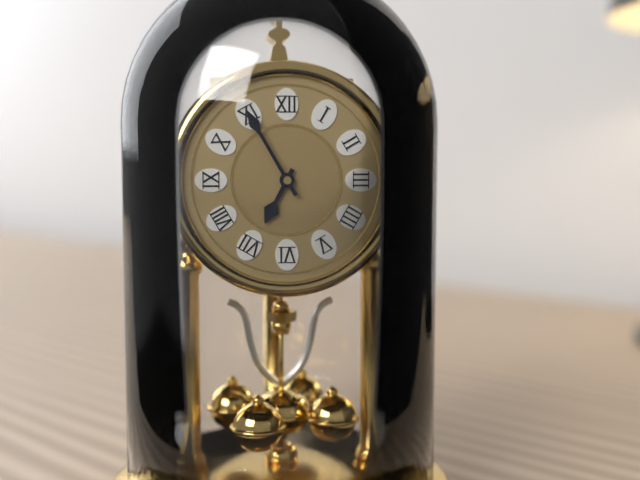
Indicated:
6:55
